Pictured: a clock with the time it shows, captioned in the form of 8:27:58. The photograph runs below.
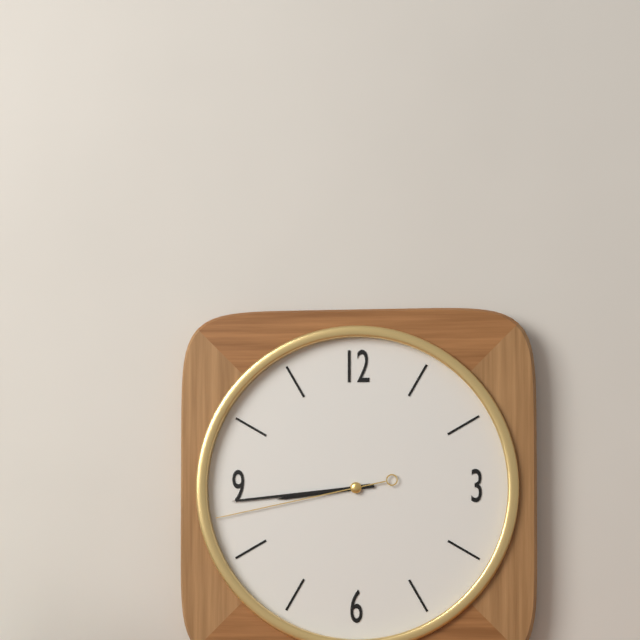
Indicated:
8:44:43
